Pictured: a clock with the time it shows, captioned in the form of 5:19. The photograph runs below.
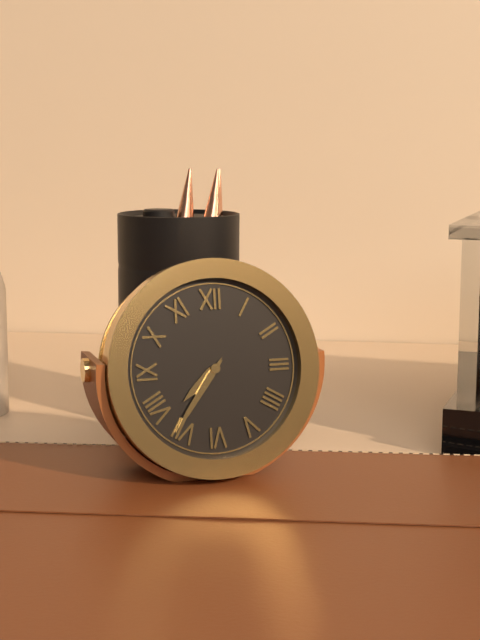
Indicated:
7:36
